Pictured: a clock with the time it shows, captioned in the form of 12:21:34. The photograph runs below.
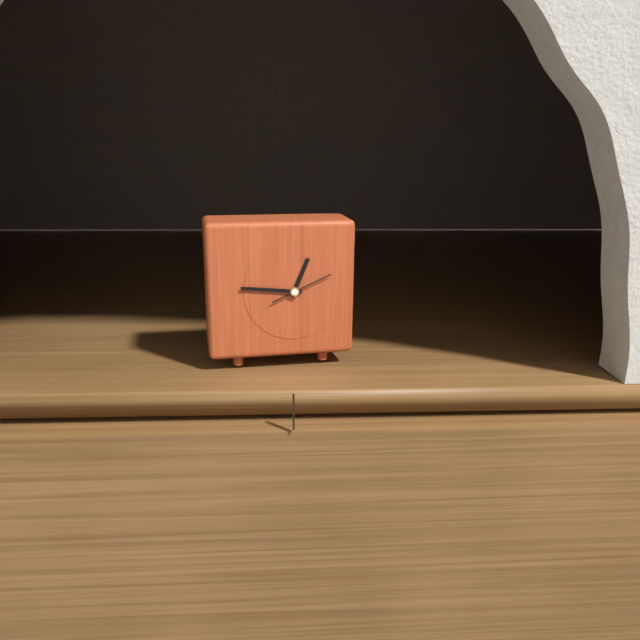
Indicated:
12:46:11
